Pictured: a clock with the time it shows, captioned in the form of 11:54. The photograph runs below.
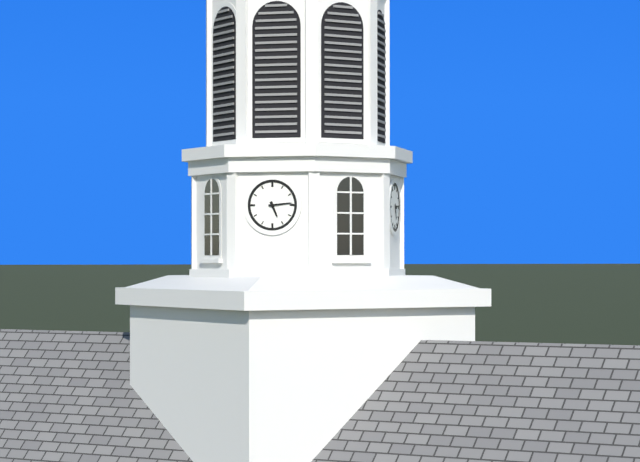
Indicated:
5:14
